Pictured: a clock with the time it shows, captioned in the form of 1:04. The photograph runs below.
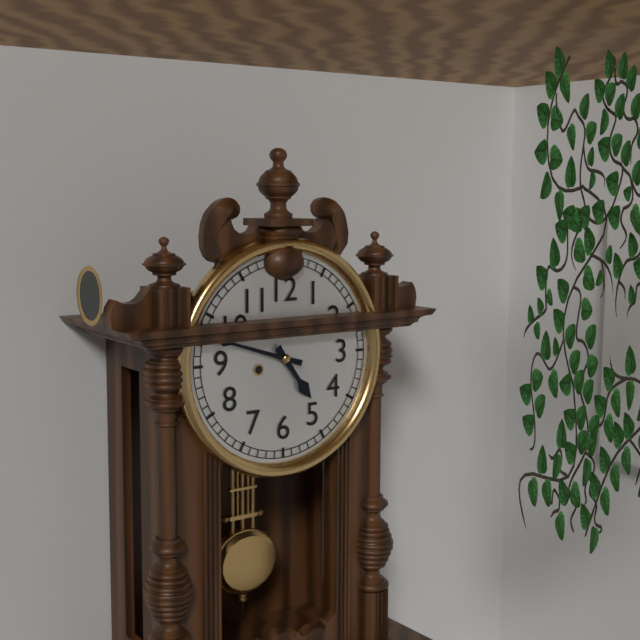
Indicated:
4:48
